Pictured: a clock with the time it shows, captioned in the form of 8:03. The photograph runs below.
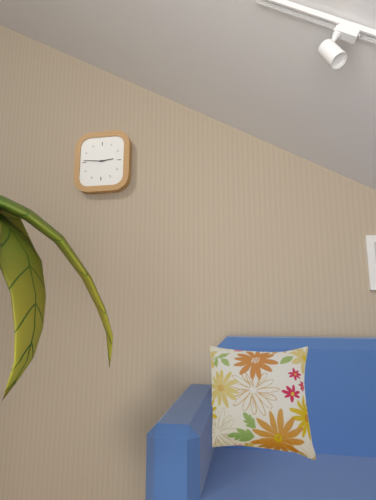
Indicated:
2:46
